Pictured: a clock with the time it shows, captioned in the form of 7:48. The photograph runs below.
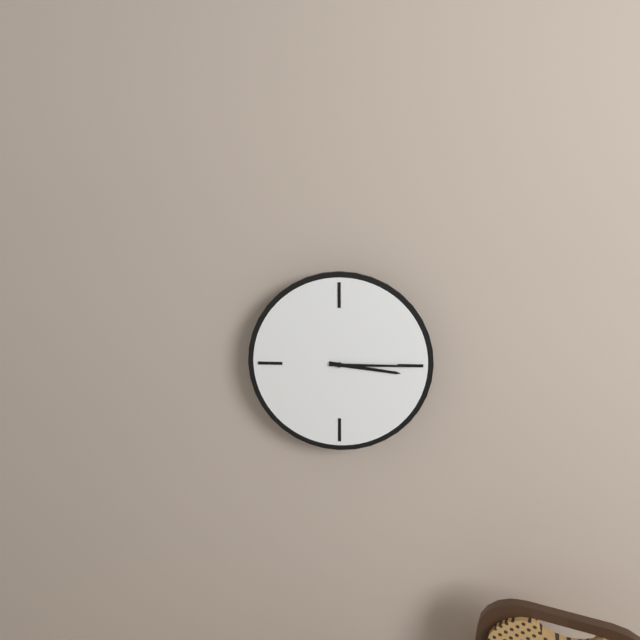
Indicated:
3:15
